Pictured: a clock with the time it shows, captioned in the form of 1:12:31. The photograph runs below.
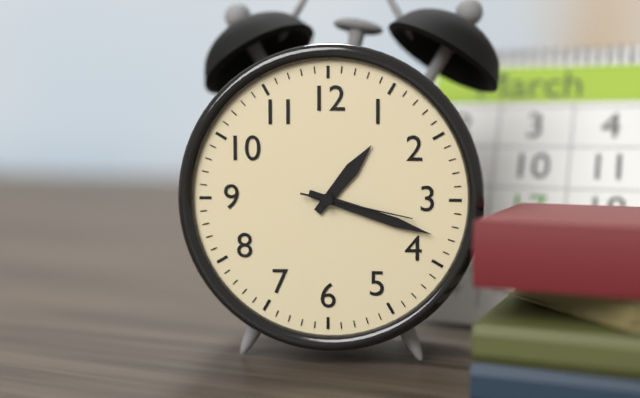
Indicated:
1:18:17
